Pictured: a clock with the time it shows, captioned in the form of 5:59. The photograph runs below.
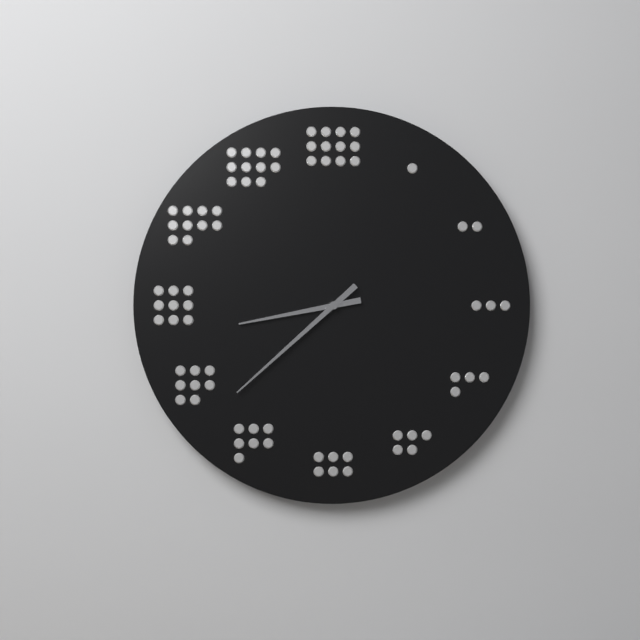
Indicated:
8:38
